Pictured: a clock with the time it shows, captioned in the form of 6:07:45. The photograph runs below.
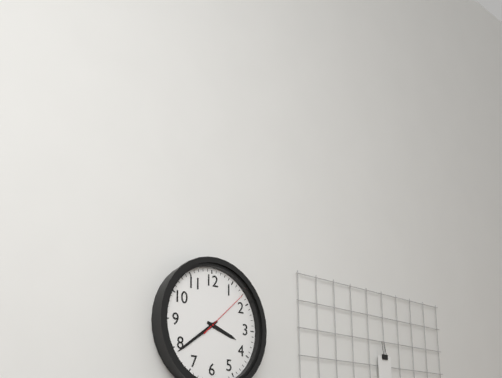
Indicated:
3:39:08
